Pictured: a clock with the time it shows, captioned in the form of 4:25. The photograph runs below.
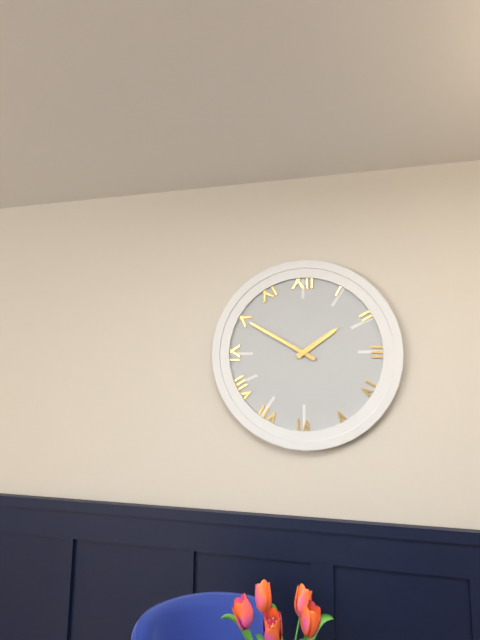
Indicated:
1:50
